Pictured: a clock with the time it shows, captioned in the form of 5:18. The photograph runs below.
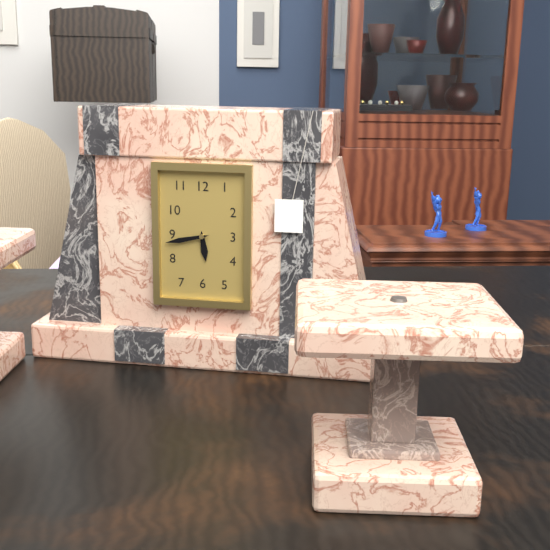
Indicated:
5:43
